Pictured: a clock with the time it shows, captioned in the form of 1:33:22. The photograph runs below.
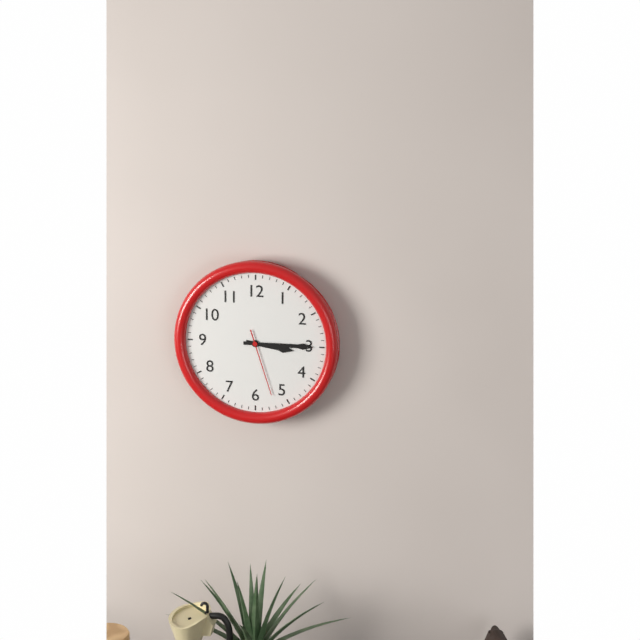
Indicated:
3:15:27
